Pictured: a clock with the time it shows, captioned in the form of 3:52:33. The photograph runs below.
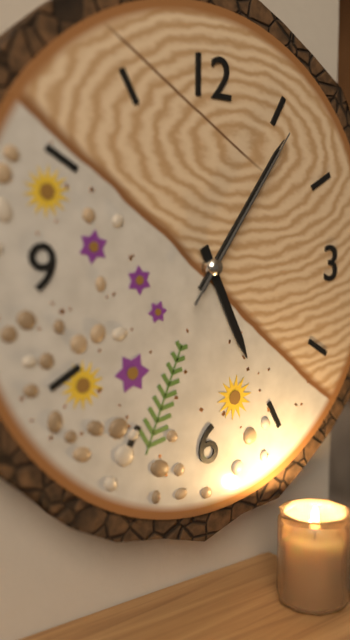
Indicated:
5:06:06
